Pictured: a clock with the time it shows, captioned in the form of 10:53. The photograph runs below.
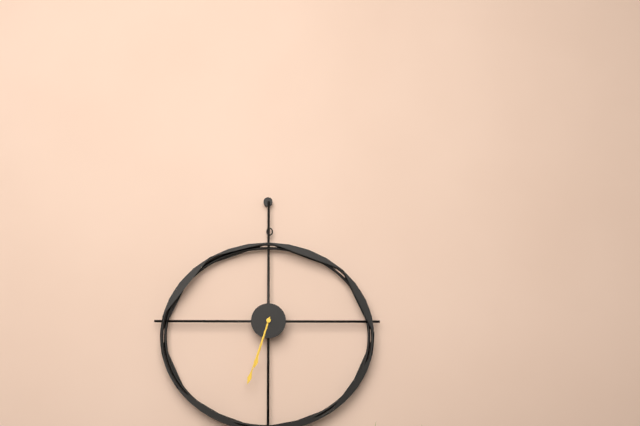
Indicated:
6:33
